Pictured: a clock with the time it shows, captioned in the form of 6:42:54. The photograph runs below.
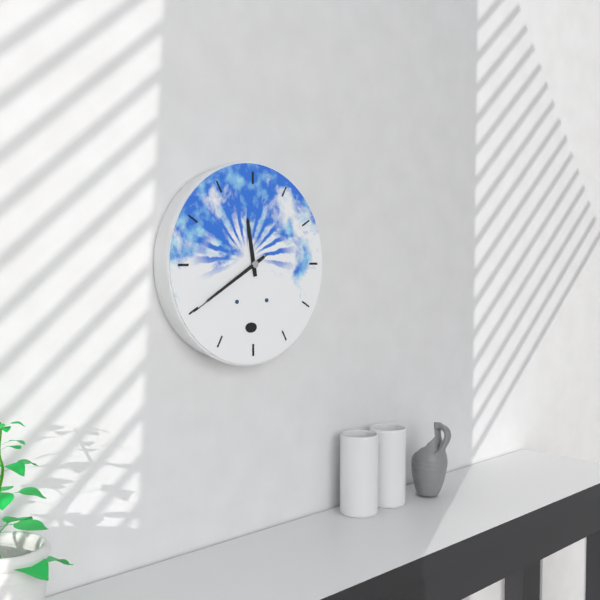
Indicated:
11:40:40
